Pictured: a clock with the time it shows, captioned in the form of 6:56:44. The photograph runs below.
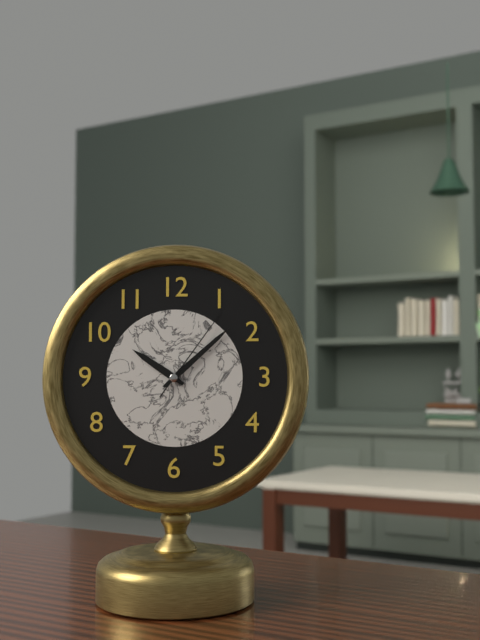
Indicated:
10:08:06
